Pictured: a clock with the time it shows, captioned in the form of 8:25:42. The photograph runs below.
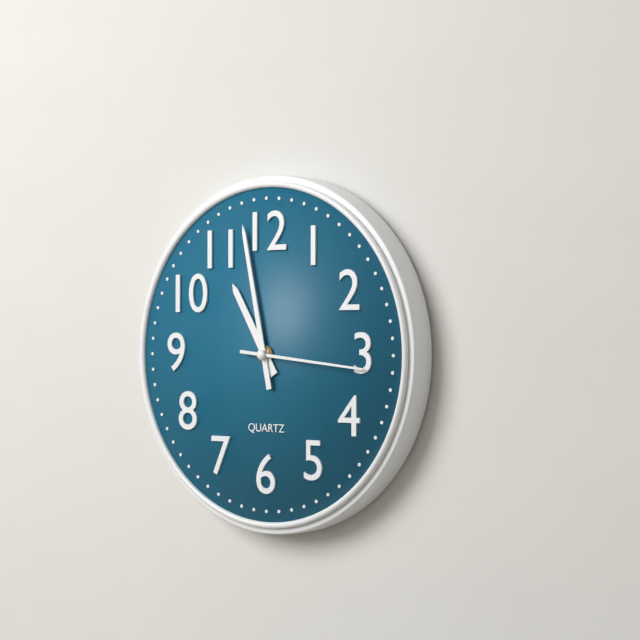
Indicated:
10:58:16
